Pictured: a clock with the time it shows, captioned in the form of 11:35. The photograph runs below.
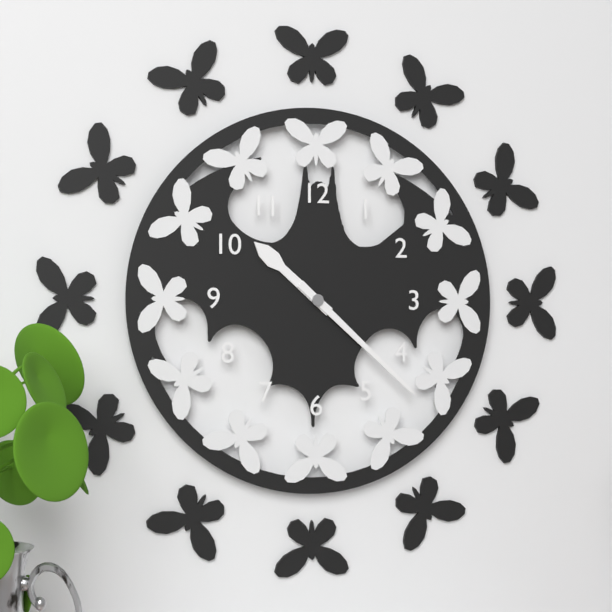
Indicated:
10:22
